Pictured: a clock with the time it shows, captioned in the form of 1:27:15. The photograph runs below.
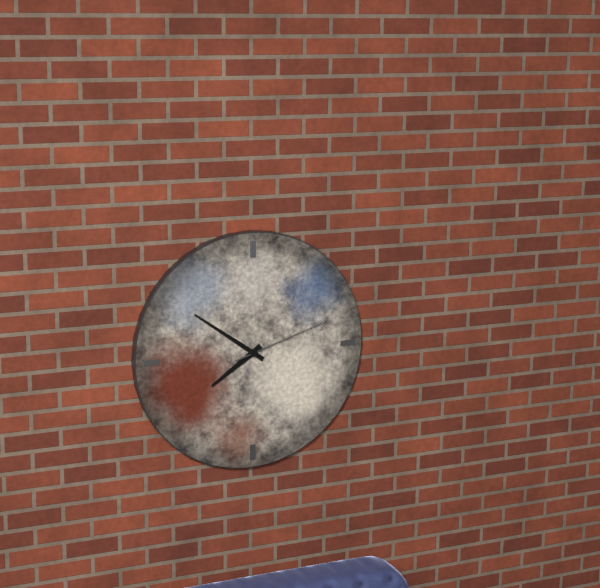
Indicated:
7:51:12
